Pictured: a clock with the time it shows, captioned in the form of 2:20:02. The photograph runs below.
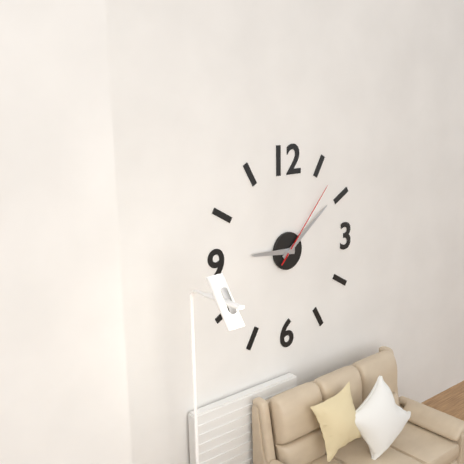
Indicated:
9:09:07
